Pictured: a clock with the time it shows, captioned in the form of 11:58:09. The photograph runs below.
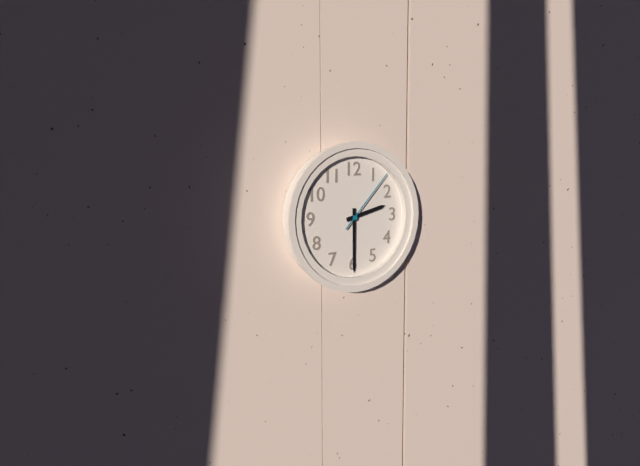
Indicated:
2:30:07
